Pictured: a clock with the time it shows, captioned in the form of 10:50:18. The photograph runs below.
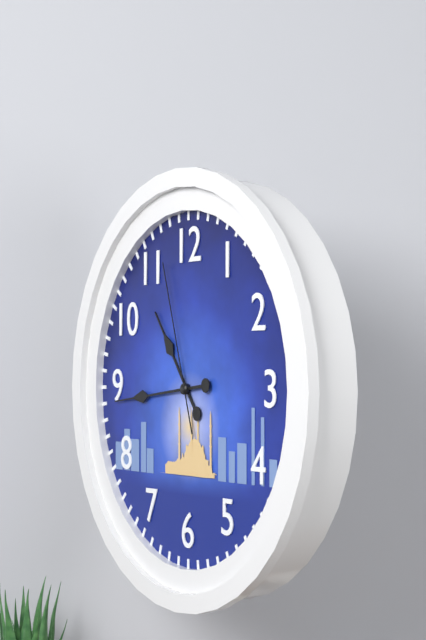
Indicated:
10:44:57
